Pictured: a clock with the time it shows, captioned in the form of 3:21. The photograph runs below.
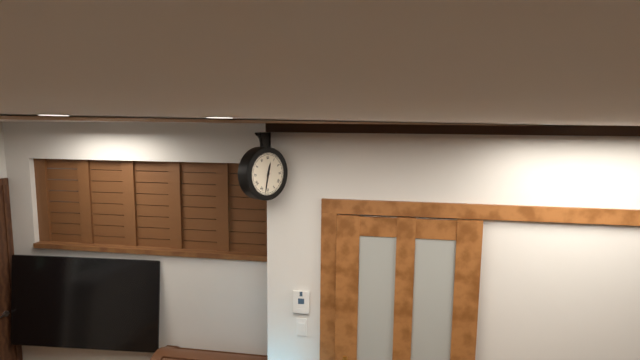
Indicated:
12:32
